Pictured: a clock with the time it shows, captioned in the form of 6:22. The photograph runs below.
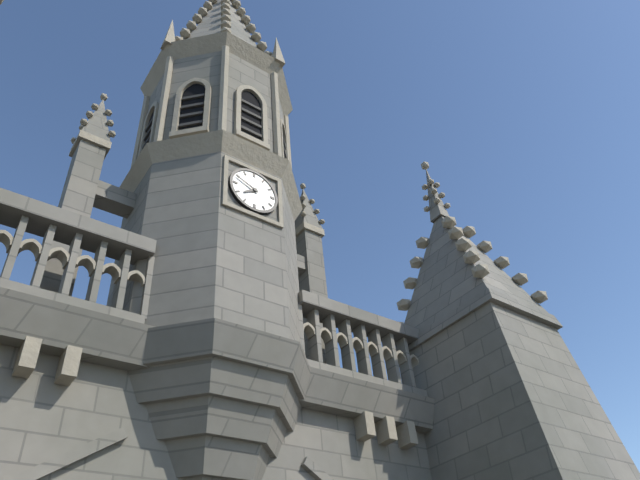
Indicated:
7:49
